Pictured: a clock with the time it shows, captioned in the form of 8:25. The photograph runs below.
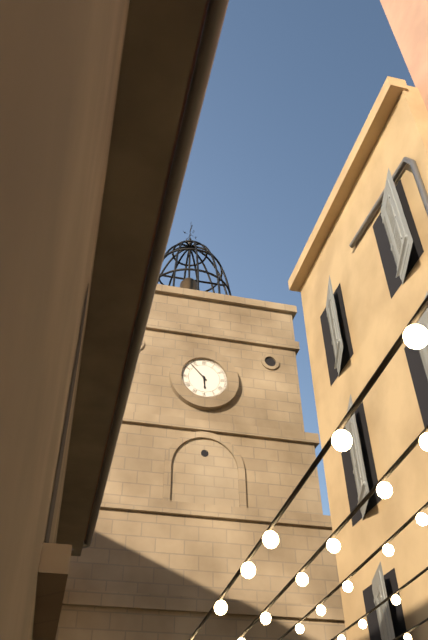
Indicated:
5:53
